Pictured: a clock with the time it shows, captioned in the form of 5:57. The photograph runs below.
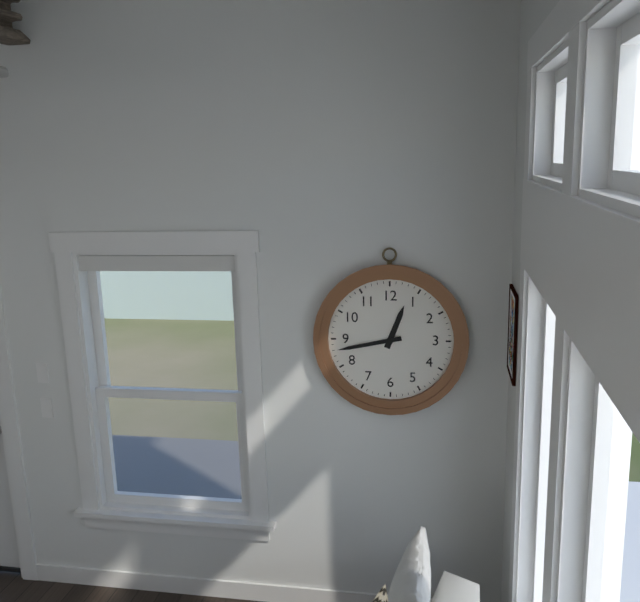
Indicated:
12:43
